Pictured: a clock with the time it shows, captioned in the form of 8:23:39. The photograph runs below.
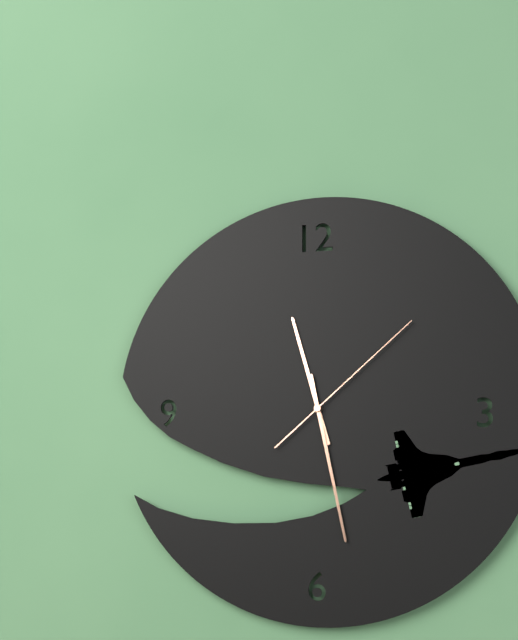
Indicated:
11:28:08
